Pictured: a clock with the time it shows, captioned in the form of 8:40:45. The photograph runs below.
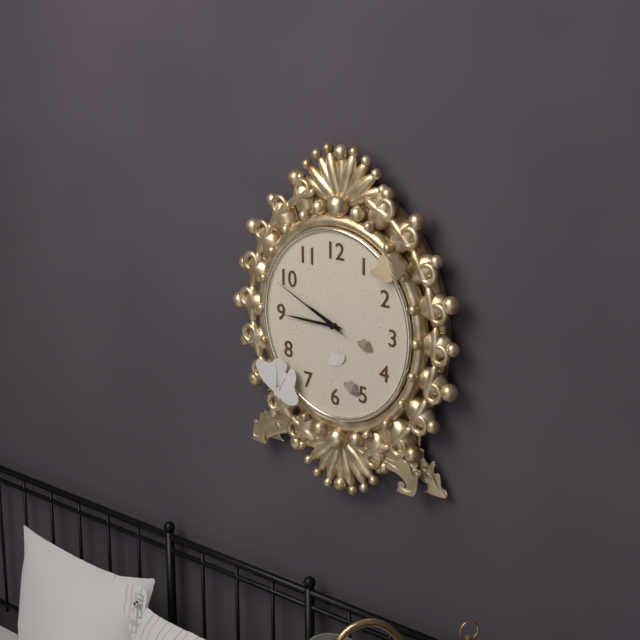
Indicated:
9:45:49
